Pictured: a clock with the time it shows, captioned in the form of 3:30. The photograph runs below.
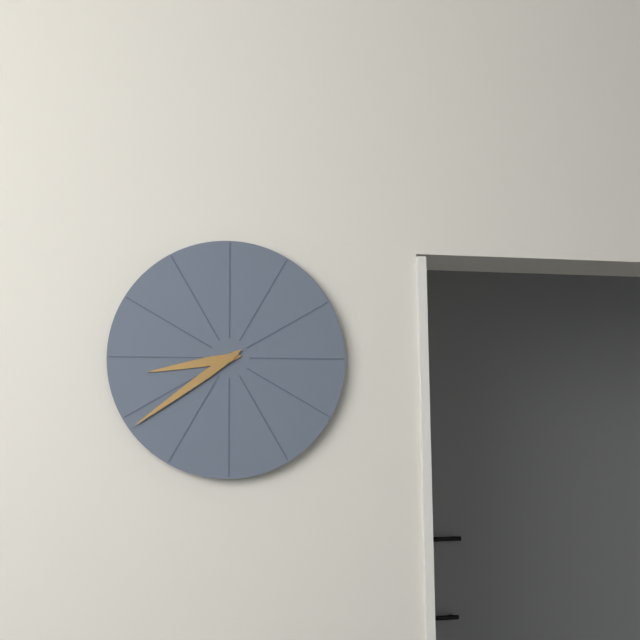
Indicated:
8:39
